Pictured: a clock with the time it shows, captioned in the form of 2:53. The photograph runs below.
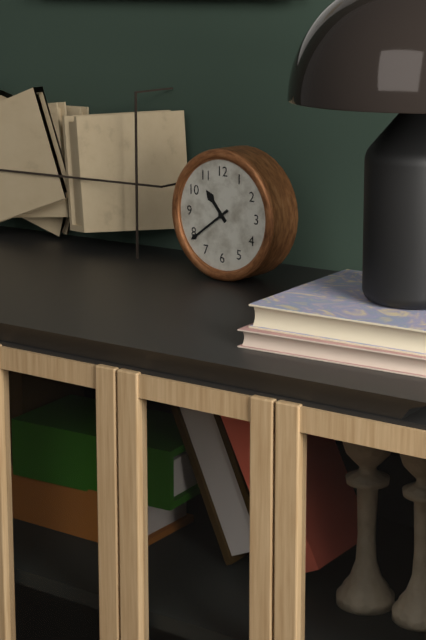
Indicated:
10:39
